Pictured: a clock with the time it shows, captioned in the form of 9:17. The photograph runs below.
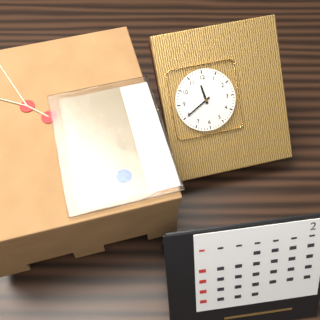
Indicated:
11:40
